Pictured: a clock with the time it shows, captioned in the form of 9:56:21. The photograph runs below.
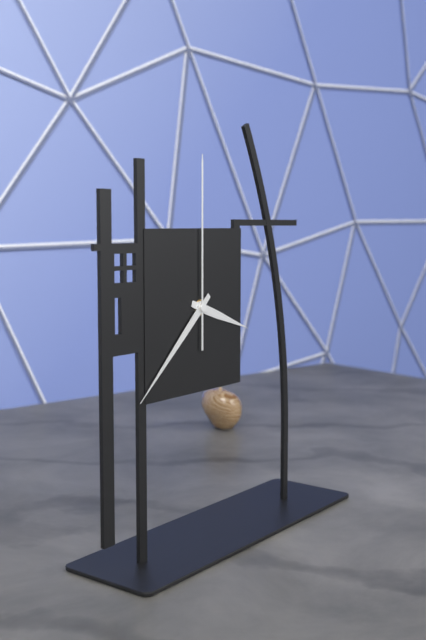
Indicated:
3:38:00
